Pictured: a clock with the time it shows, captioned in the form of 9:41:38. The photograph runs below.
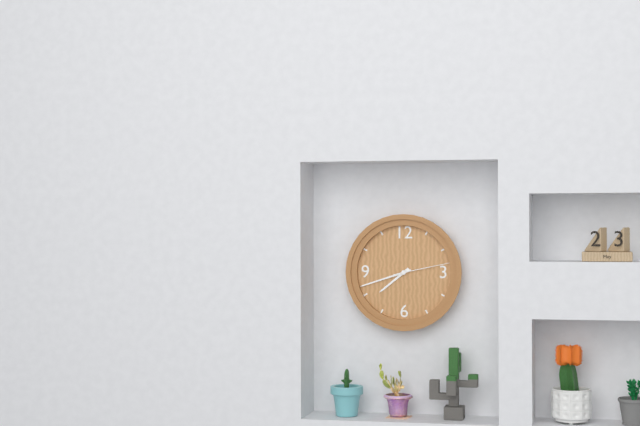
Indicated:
7:42:13
